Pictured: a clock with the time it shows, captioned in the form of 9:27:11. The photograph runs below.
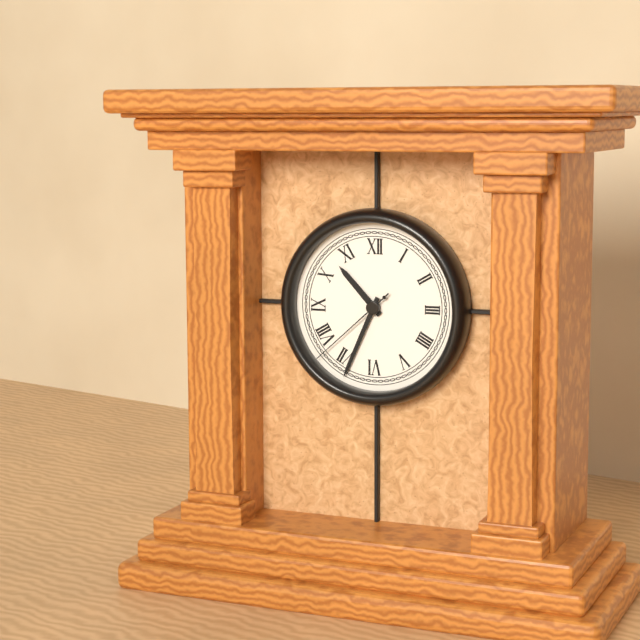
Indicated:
10:34:38
